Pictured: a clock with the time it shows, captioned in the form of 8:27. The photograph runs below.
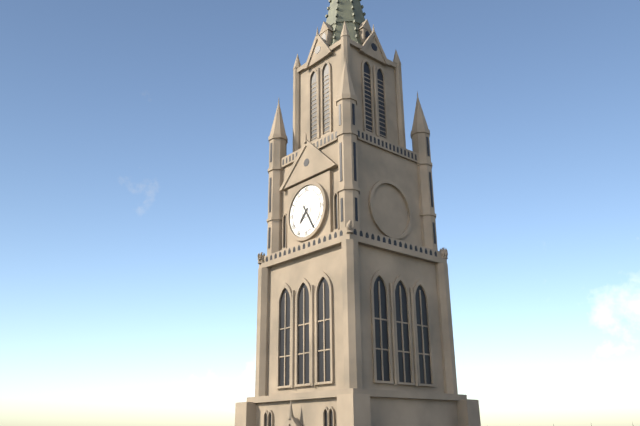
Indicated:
7:25
